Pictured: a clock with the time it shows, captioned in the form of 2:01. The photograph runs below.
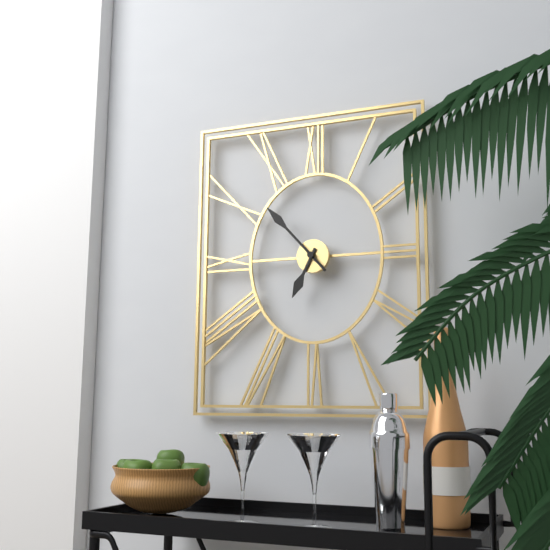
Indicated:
6:53
